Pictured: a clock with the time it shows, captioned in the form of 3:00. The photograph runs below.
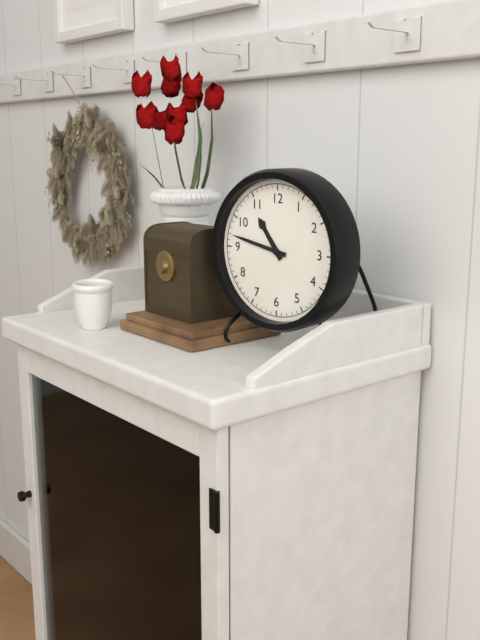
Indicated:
10:47
